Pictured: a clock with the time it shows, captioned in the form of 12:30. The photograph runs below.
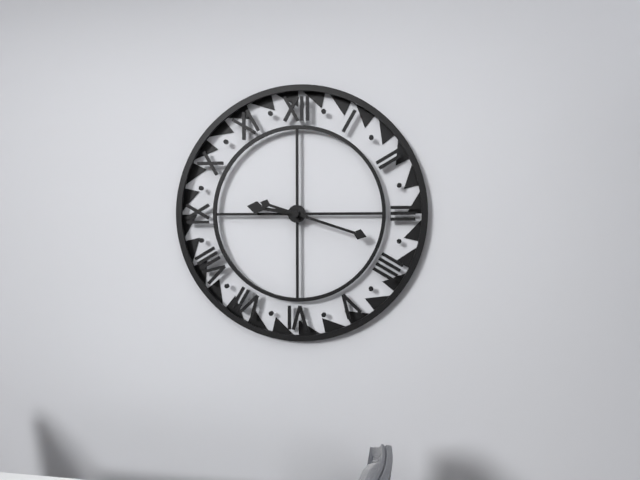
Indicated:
9:18
